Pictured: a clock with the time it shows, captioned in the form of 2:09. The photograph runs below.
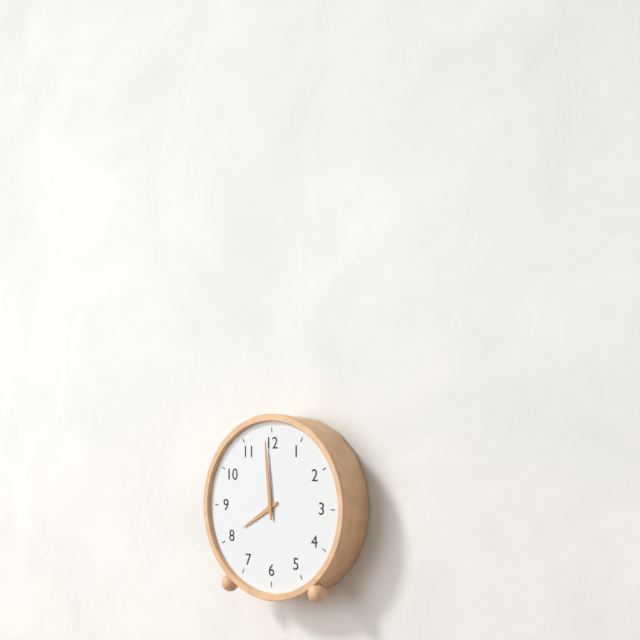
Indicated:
7:59
